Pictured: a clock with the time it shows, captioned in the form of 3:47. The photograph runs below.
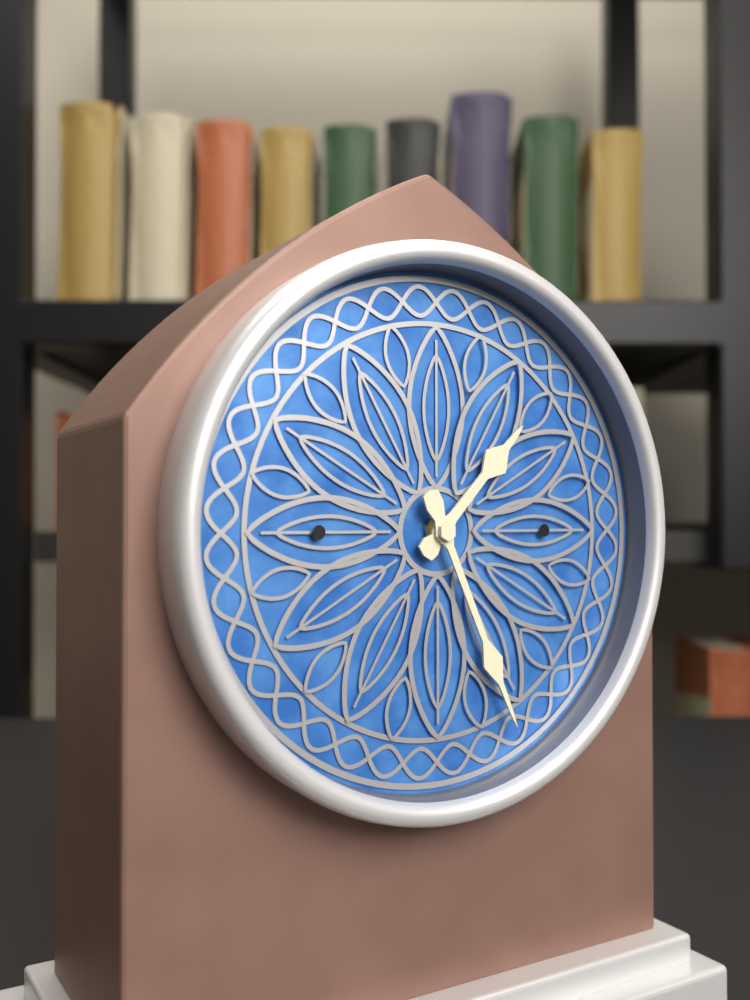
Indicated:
1:26
